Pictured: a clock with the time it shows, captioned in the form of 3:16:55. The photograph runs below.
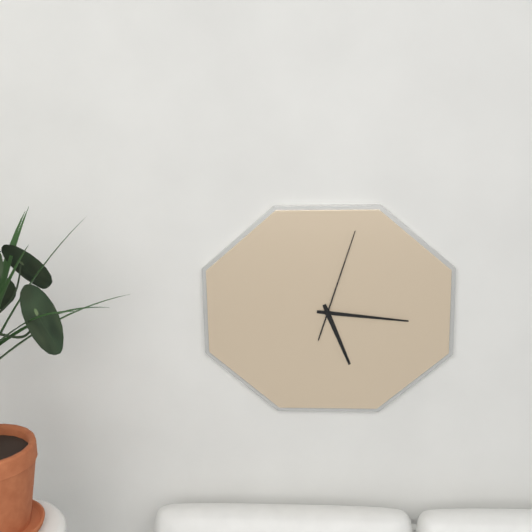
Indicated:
5:16:03
